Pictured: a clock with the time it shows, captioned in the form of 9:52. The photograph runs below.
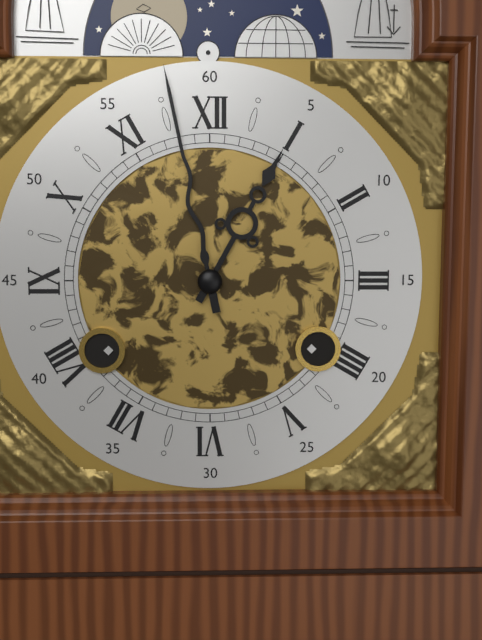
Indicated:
12:58
